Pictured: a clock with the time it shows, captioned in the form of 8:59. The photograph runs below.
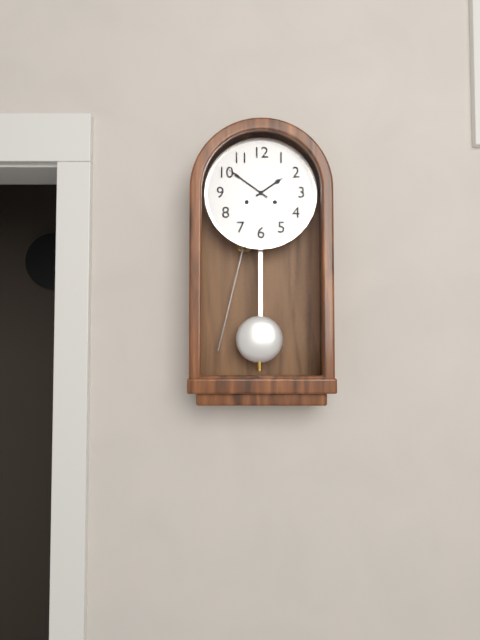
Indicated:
1:51
